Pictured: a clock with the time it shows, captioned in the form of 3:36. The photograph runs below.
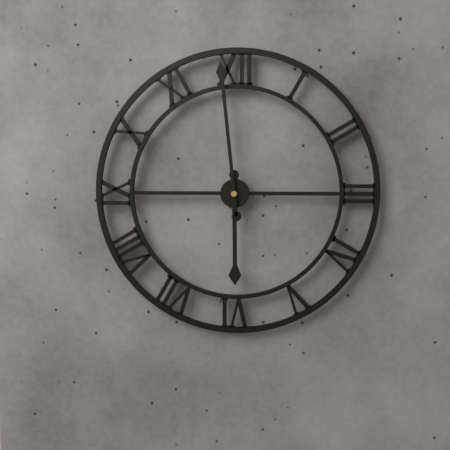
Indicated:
5:59
